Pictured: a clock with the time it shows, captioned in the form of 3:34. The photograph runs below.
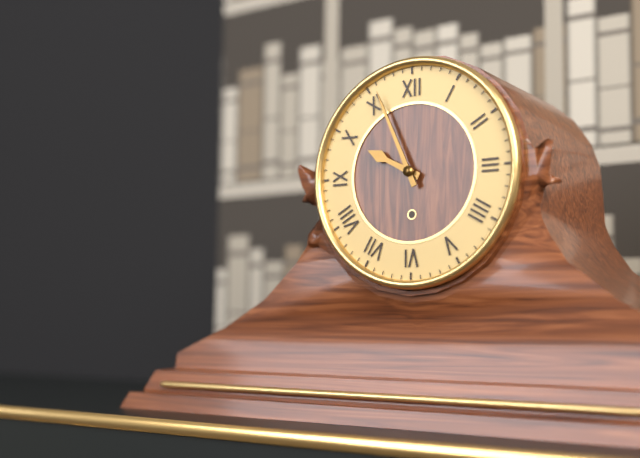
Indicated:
9:56
